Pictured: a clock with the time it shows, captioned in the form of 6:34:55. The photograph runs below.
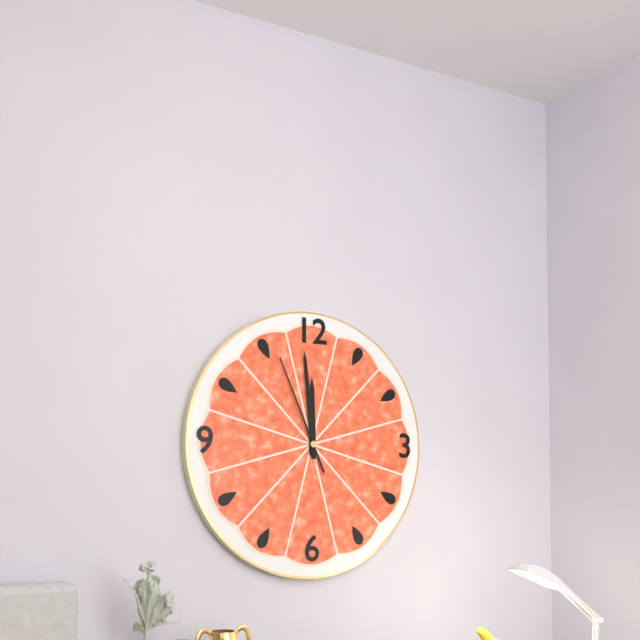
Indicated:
11:59:56
